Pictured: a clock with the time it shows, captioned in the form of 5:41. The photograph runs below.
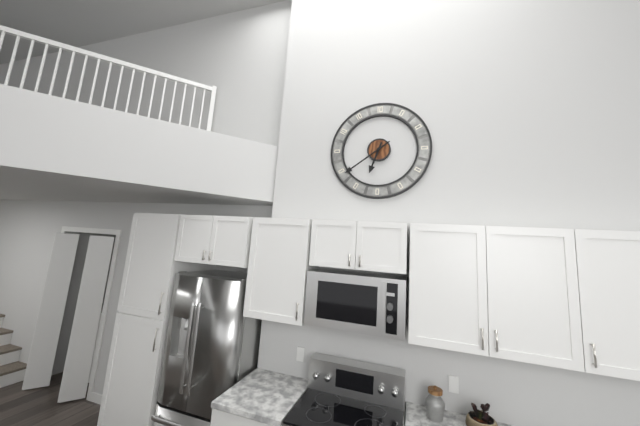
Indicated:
6:39
